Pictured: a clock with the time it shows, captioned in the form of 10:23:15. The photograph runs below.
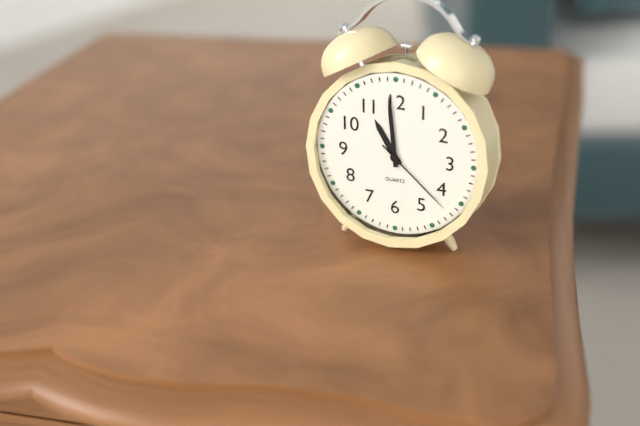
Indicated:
10:59:22
